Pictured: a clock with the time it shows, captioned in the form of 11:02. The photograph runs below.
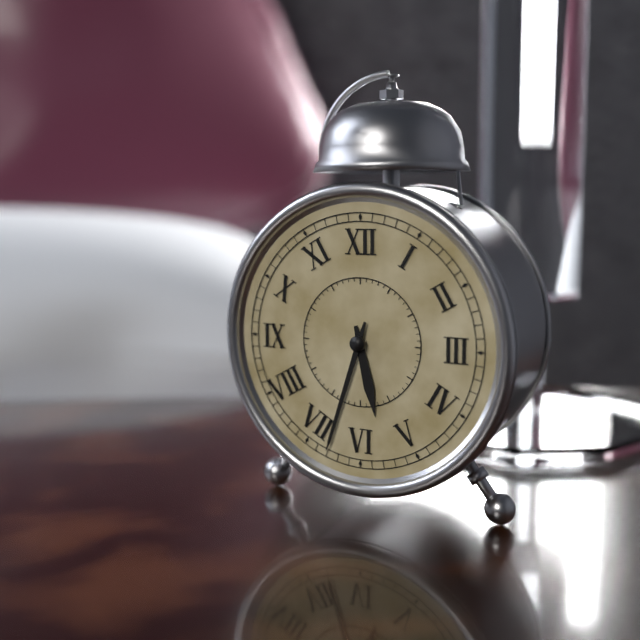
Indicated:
5:33
